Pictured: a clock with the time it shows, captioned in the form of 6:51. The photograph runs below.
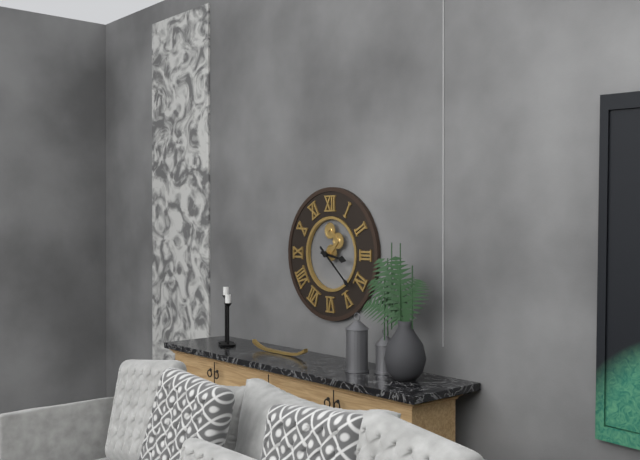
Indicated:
3:22
